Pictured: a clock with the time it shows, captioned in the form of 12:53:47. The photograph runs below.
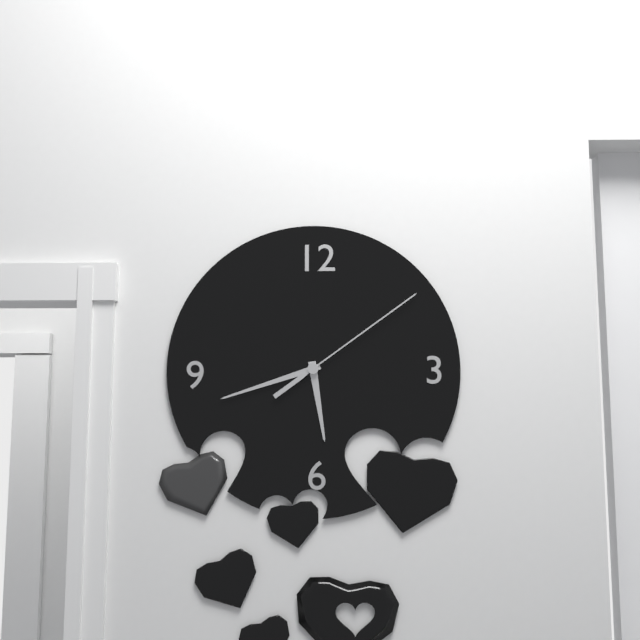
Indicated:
5:42:09
